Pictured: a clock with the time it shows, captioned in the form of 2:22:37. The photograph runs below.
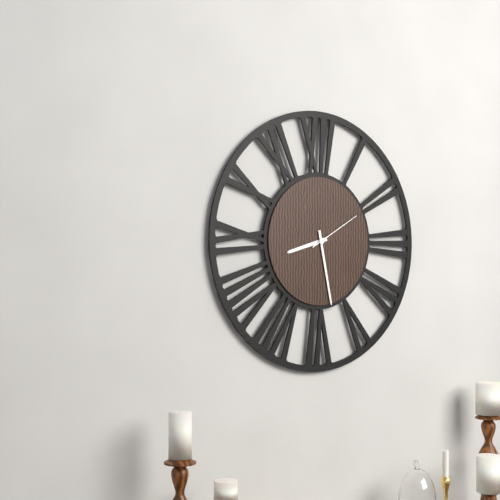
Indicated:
8:28:10
